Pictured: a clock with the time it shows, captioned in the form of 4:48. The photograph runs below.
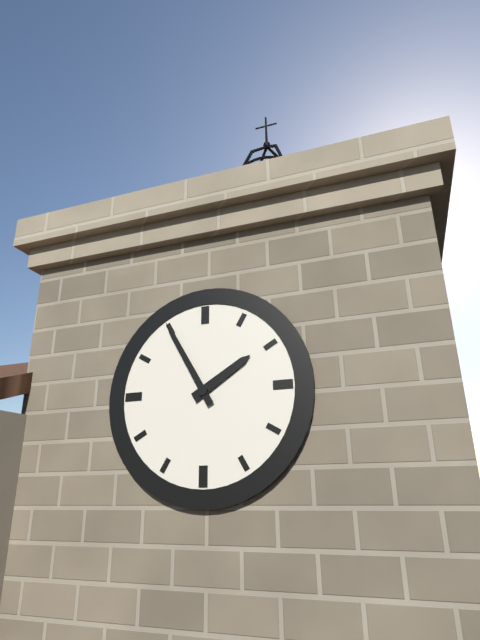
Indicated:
1:55
